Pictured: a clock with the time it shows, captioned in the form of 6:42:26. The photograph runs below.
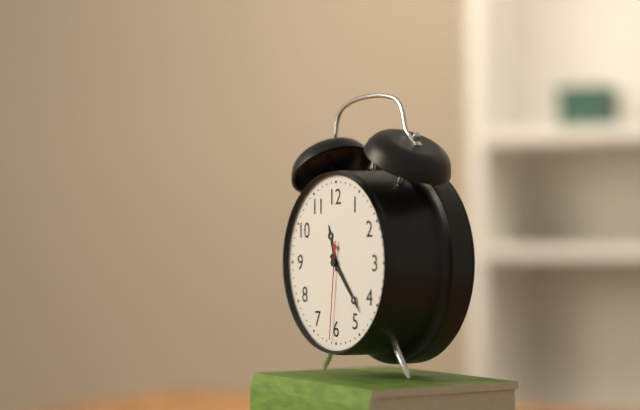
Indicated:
11:23:31
